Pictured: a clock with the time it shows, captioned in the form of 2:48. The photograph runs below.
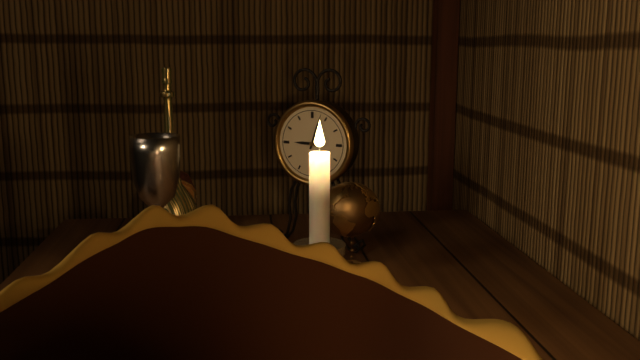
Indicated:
9:03
